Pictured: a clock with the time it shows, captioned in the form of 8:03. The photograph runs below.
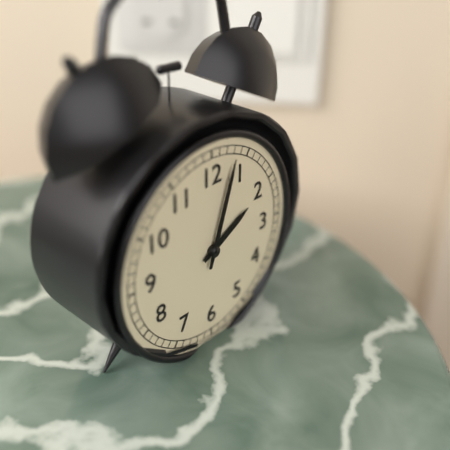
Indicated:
2:03
